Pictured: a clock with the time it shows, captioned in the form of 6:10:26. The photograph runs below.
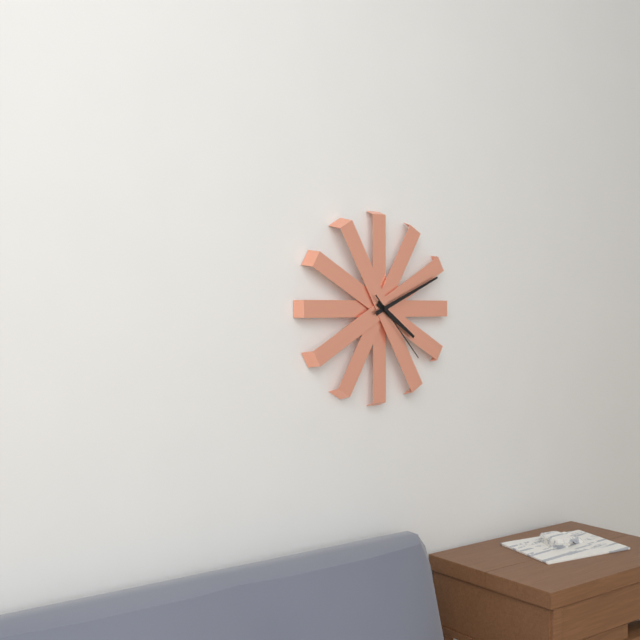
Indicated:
4:11:23
